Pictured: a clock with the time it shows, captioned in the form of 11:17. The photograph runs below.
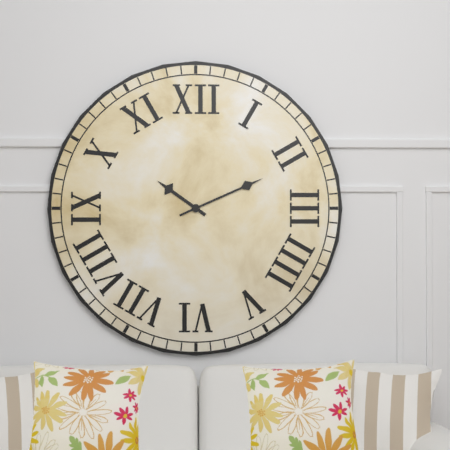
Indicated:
10:11
